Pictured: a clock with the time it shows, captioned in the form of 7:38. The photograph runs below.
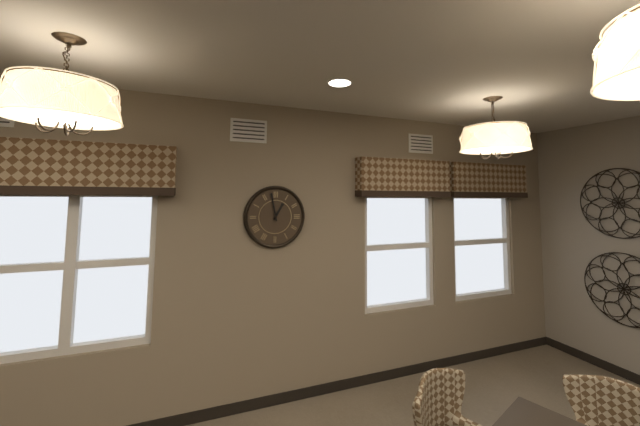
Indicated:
12:58
